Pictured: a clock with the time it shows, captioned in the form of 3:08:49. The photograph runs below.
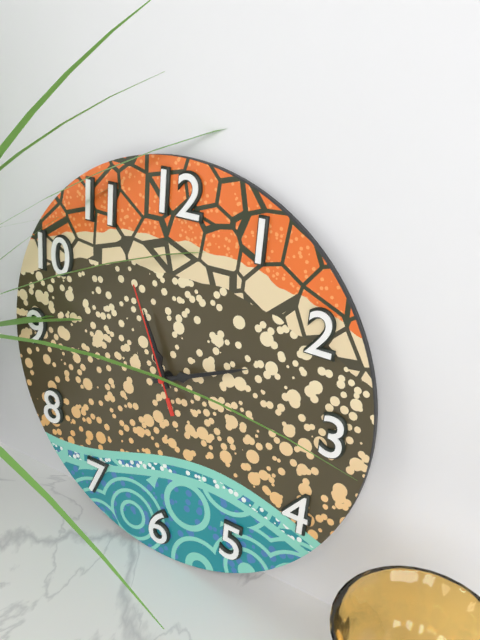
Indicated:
11:11:56
